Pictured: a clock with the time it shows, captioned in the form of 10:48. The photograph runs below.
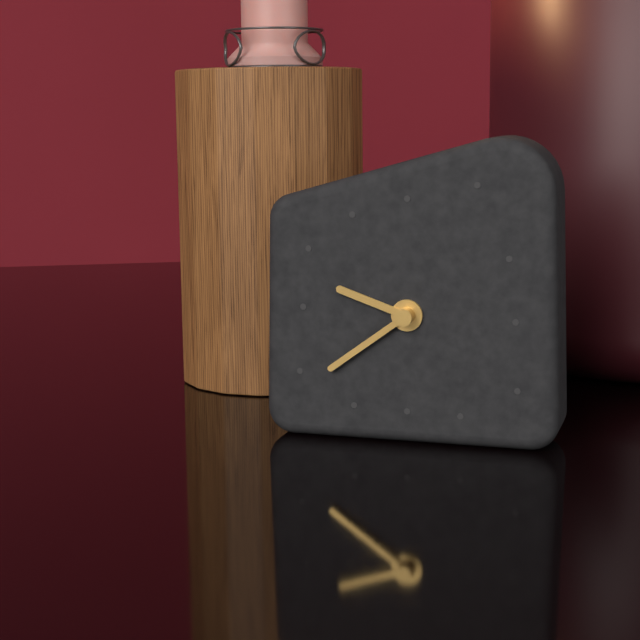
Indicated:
9:39
